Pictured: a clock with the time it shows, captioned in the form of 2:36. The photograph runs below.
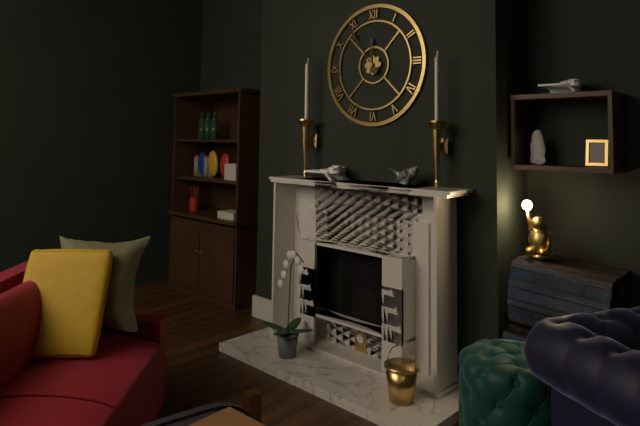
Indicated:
11:54
